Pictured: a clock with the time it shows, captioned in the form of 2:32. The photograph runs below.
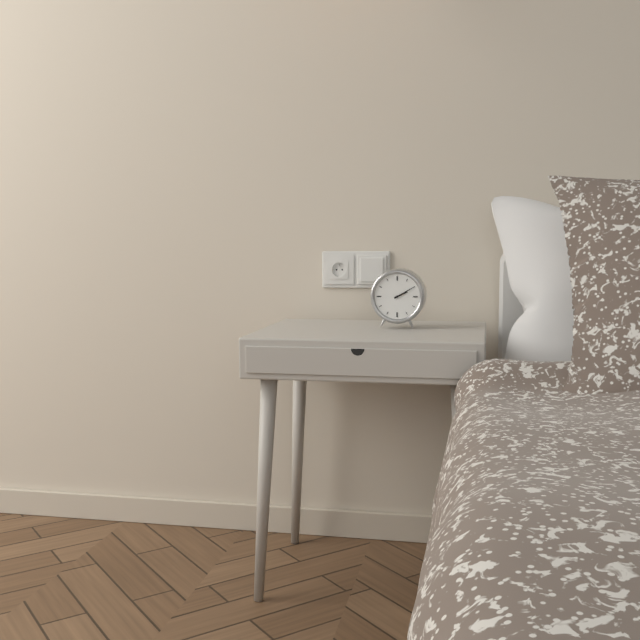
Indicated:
2:10
